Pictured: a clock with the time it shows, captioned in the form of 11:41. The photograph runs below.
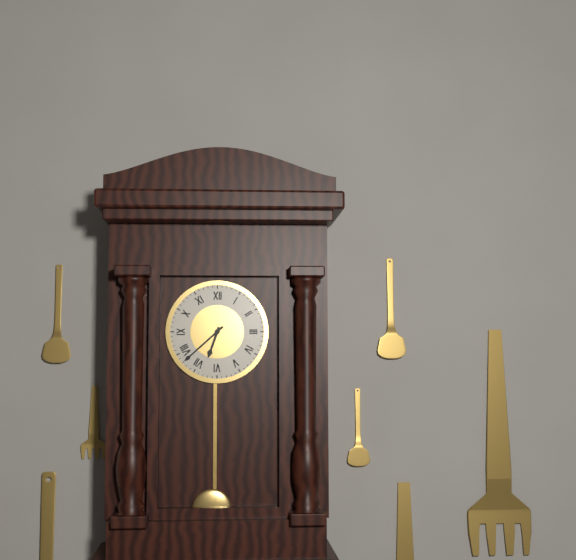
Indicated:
6:38
